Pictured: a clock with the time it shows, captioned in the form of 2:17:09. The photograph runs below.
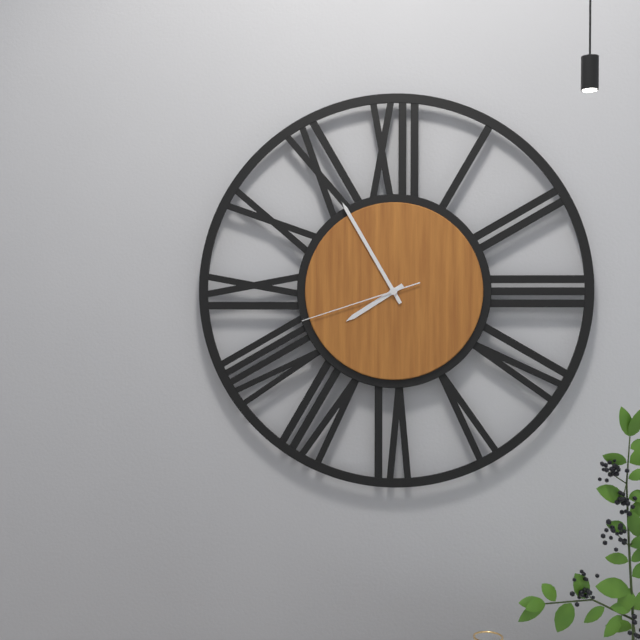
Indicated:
7:55:42
